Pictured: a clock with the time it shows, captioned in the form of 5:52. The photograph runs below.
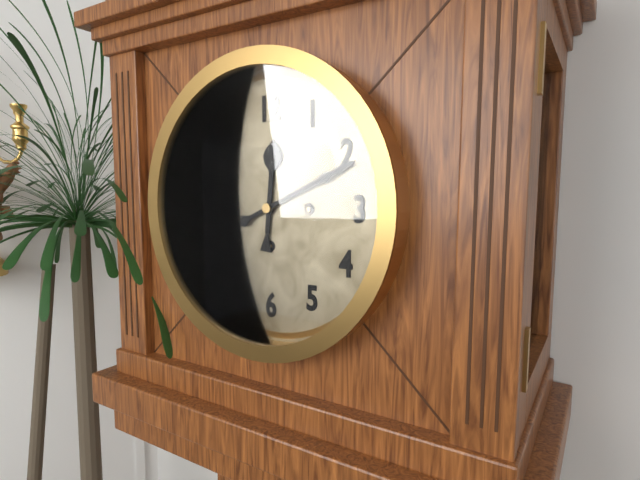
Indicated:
12:11
